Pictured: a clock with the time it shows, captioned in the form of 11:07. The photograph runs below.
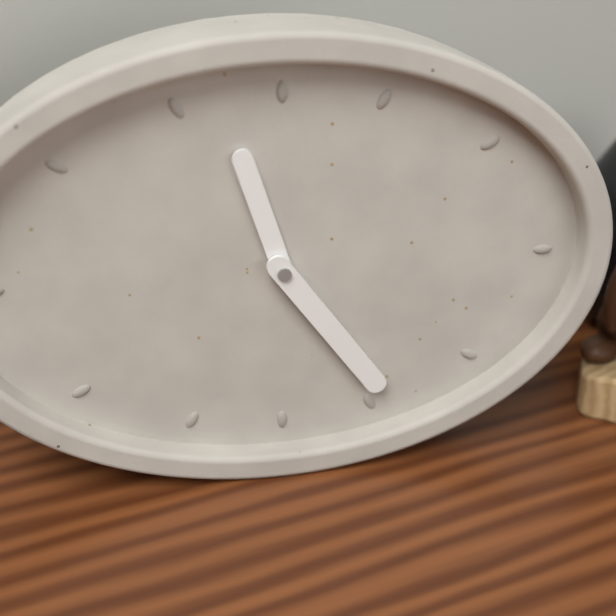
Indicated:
11:24
